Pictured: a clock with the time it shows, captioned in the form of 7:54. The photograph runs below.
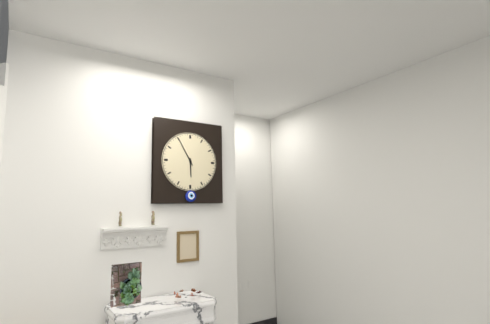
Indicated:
5:55
